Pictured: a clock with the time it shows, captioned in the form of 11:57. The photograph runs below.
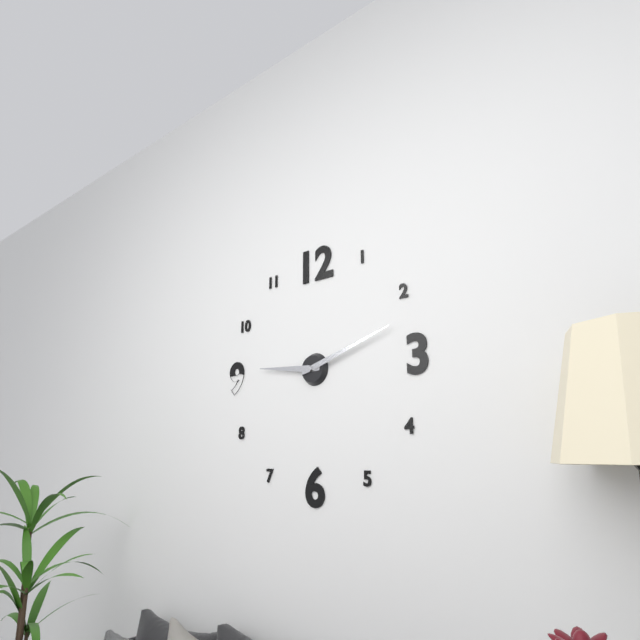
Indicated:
9:12
